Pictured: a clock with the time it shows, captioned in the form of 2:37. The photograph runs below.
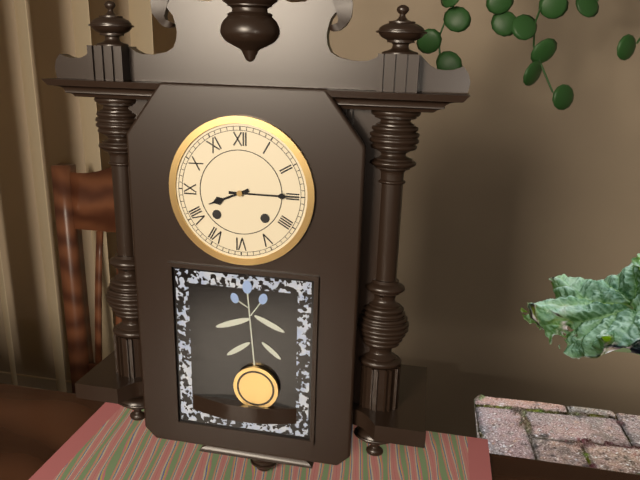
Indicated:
8:15
